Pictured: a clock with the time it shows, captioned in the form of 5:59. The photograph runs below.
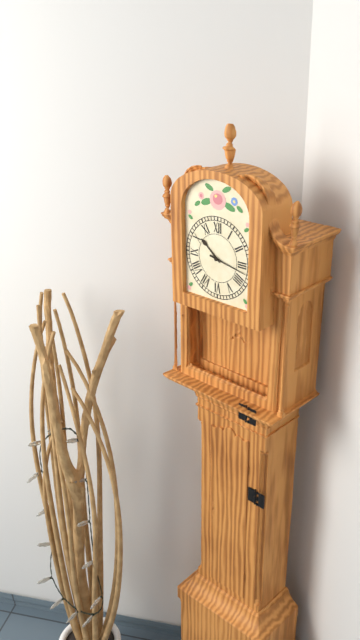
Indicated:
10:17
